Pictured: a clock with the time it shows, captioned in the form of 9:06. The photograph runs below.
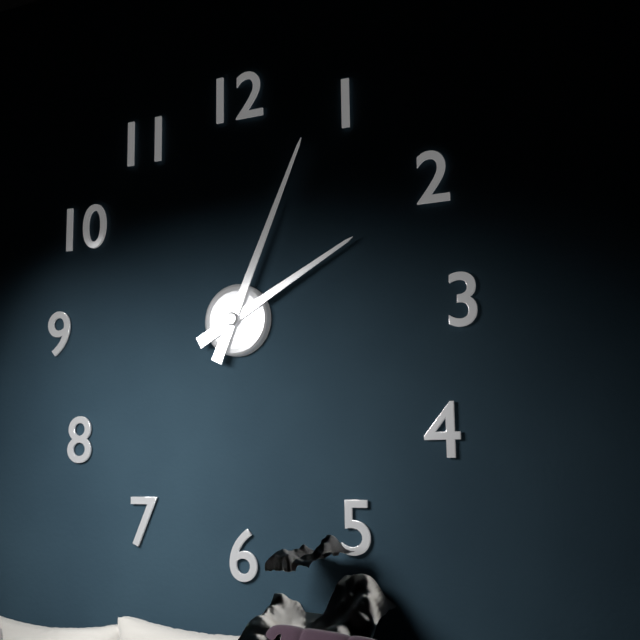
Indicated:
2:04
